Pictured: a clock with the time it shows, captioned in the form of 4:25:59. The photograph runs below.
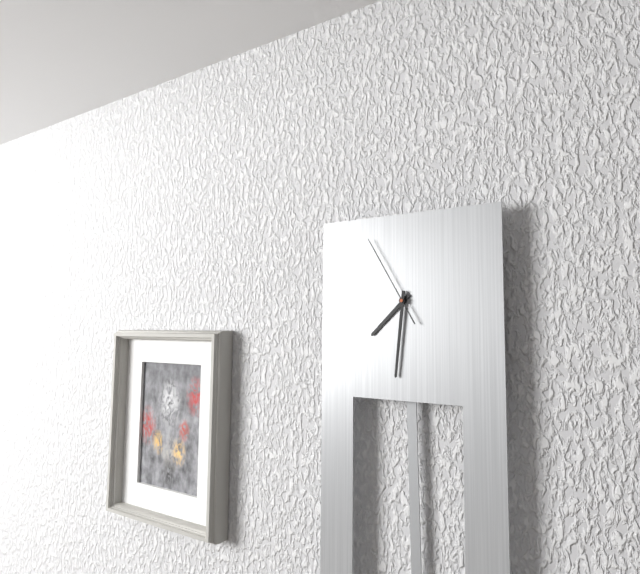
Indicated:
7:31:55
